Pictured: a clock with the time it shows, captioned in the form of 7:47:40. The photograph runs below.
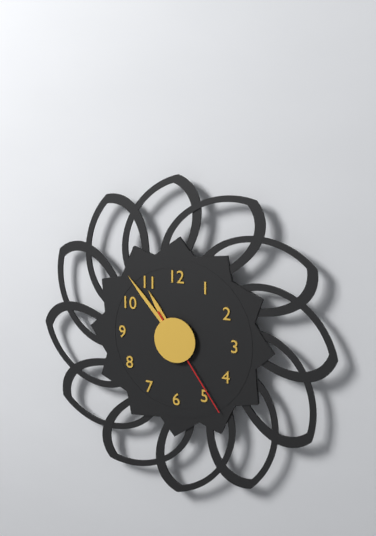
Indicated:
10:53:24
